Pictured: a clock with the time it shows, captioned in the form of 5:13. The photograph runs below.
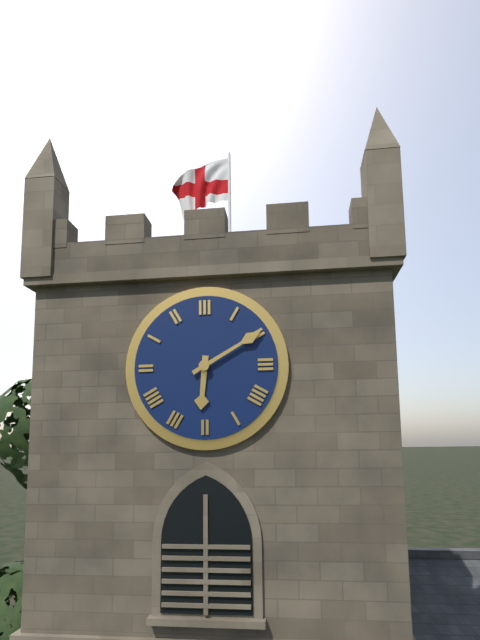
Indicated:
6:10
